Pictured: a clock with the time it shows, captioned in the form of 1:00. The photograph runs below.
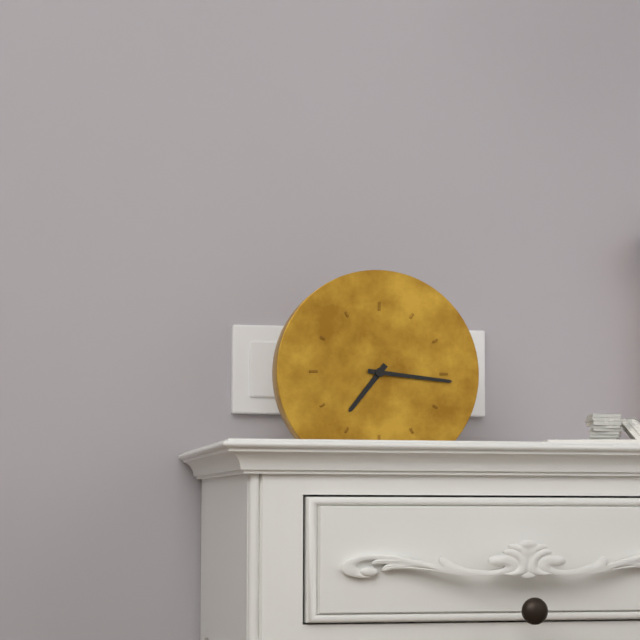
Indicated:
7:16
